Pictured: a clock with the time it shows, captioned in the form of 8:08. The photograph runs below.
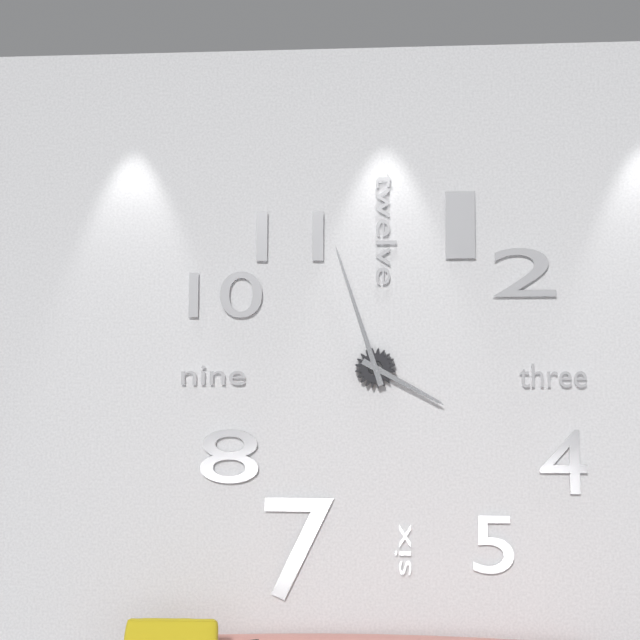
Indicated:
3:57
